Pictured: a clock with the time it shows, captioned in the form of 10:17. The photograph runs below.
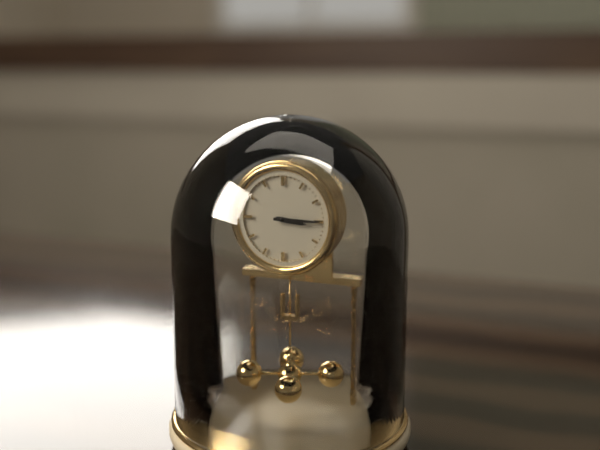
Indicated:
3:15
